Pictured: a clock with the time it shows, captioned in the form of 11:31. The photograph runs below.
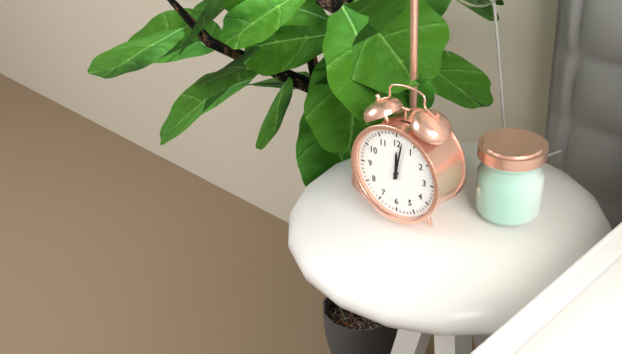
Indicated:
12:02
